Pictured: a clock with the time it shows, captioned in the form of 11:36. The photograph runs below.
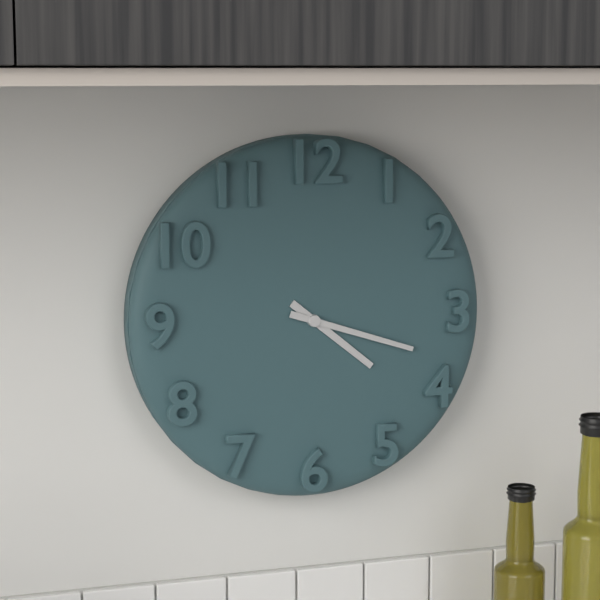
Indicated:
4:18
